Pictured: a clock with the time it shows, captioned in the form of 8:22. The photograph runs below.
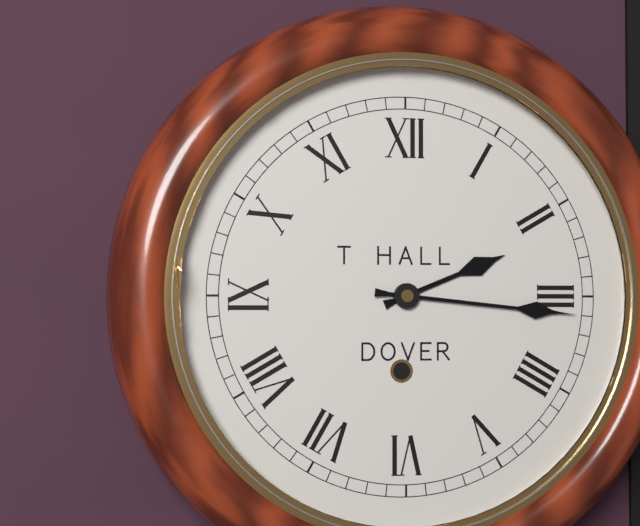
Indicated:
2:16
